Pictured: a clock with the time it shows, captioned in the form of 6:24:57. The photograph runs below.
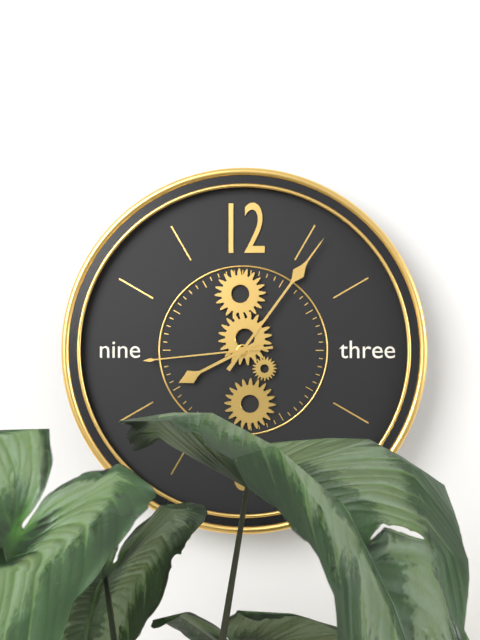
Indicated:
8:06:44
